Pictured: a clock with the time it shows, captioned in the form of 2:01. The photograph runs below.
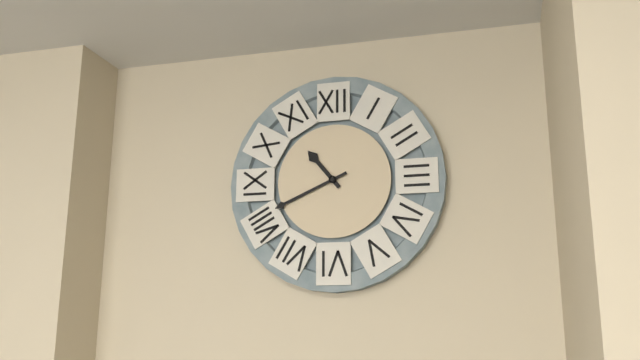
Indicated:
10:41
